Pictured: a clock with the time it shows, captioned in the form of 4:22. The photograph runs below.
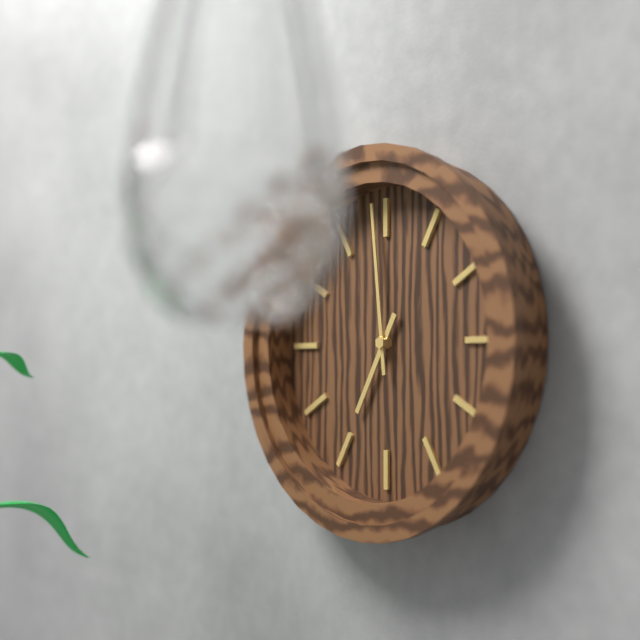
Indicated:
6:59
